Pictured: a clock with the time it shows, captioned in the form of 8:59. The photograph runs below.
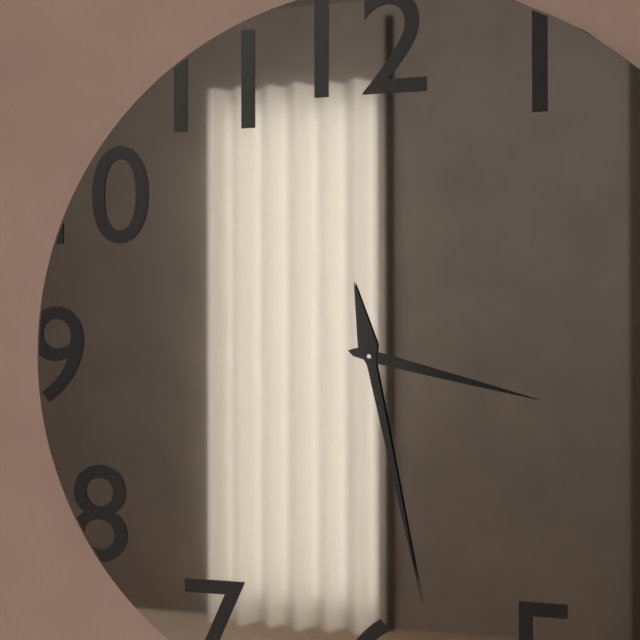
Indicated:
3:28
